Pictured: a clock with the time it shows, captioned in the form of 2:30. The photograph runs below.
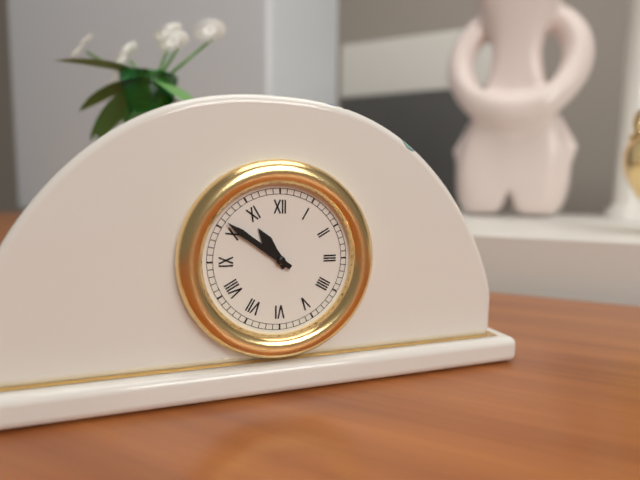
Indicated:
10:51
